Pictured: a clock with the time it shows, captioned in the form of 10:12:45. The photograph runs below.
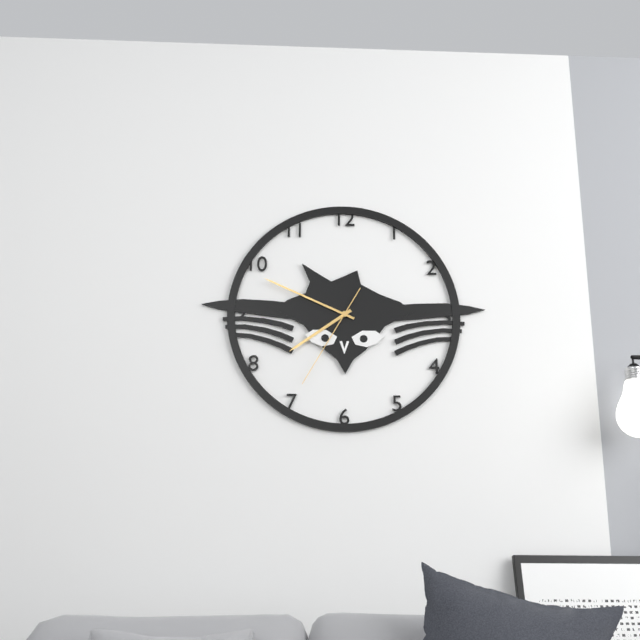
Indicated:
7:49:35
